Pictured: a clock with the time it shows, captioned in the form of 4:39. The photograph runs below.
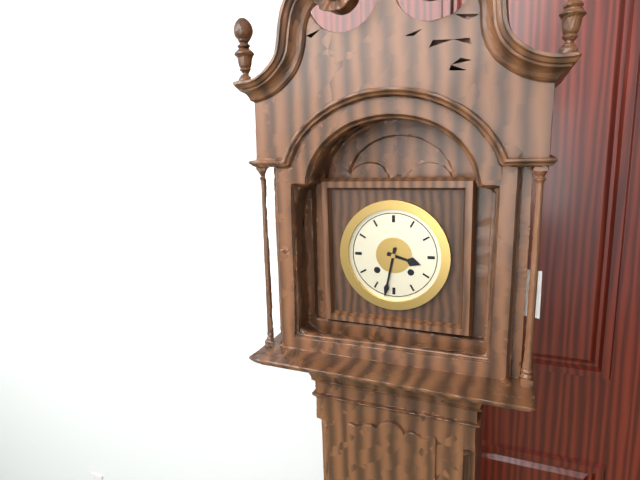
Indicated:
3:32
